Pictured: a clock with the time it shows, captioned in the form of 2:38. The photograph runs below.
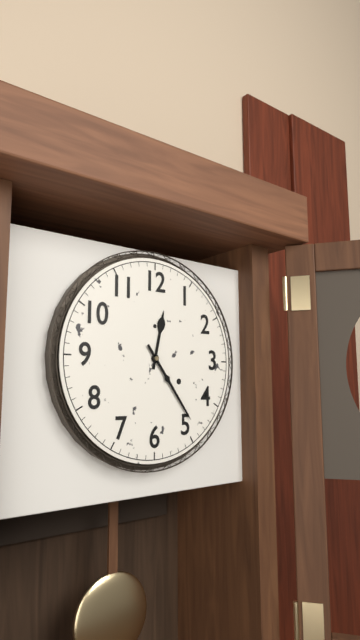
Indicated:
12:24
